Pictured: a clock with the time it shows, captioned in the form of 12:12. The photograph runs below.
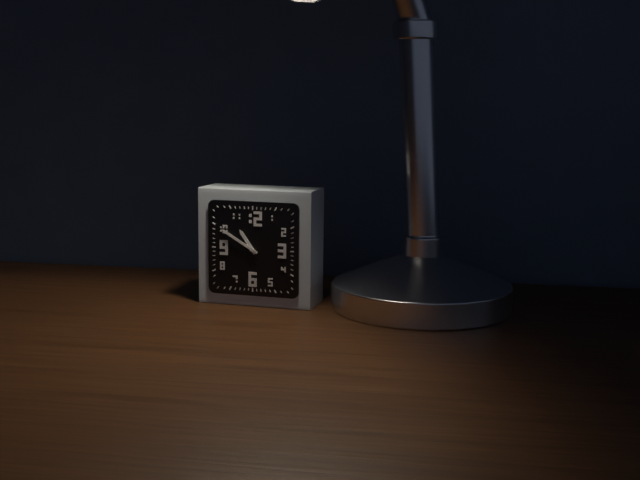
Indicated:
10:50
